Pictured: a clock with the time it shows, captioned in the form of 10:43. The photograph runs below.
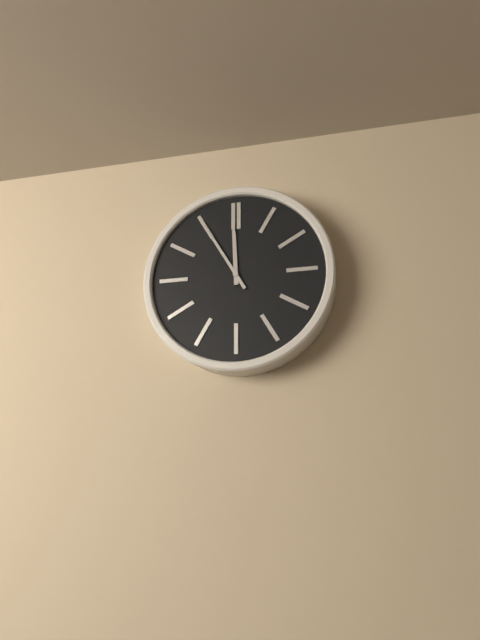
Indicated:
11:55
